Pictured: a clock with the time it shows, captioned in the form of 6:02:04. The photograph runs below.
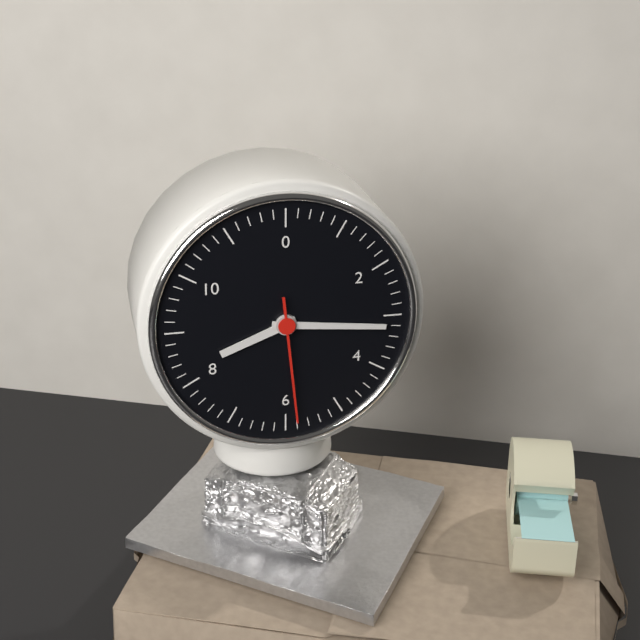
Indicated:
8:16:29
